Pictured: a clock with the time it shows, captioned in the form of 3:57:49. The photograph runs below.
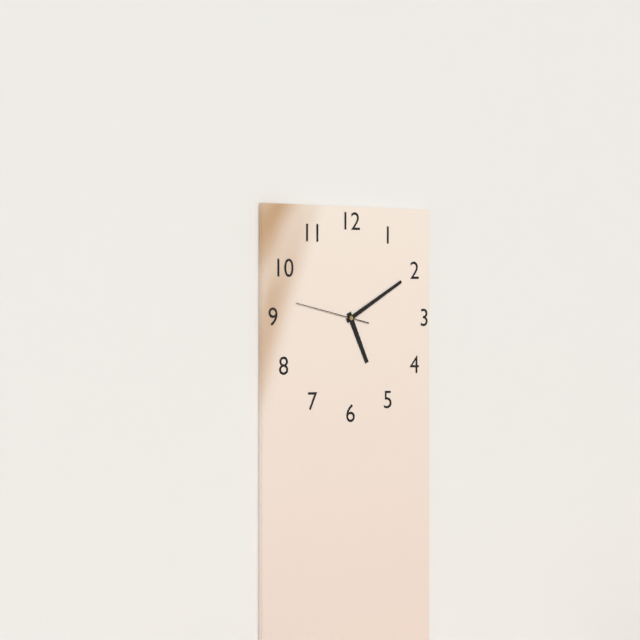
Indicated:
5:10:47
